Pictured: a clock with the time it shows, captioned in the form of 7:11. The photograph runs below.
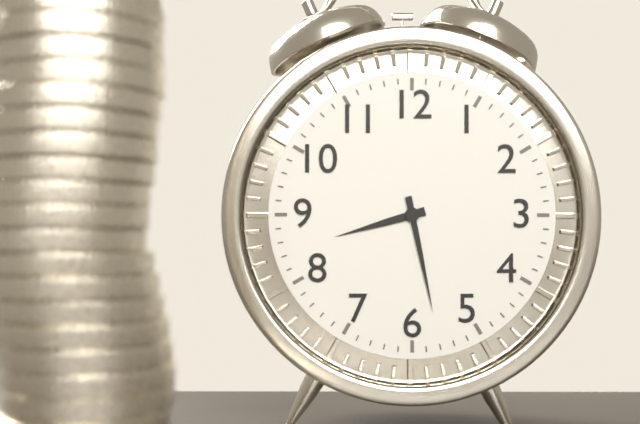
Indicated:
8:28
